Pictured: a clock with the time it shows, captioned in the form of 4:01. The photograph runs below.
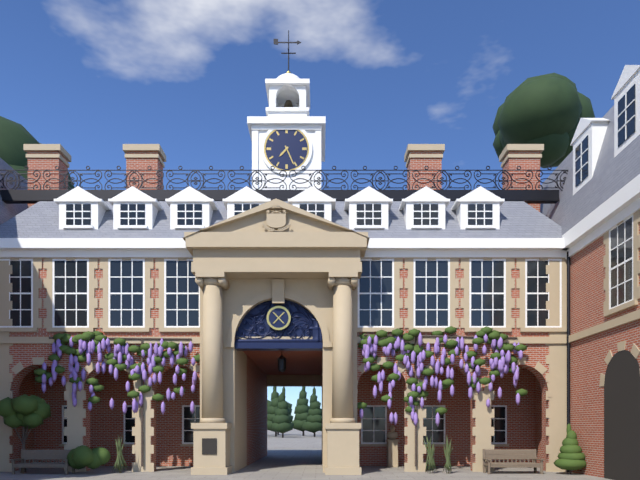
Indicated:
7:26
